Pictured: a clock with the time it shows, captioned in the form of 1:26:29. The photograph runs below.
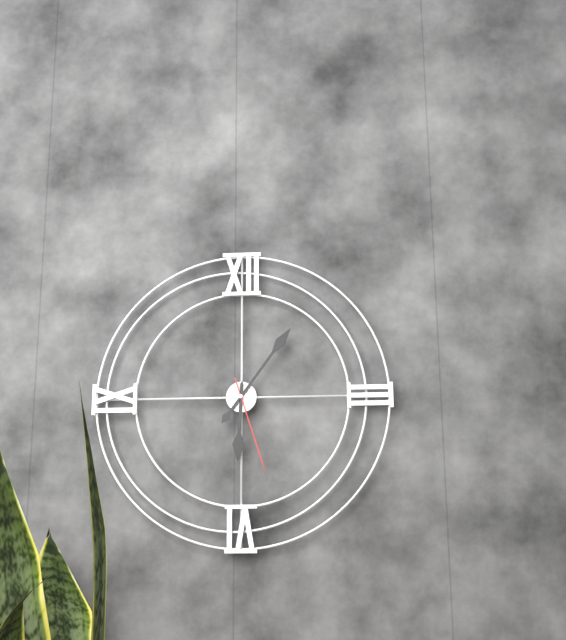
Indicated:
6:06:27
